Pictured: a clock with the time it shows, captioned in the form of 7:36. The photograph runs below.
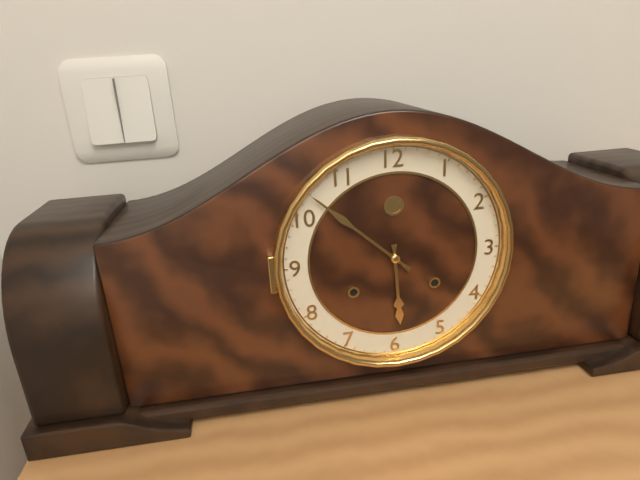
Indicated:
5:52
